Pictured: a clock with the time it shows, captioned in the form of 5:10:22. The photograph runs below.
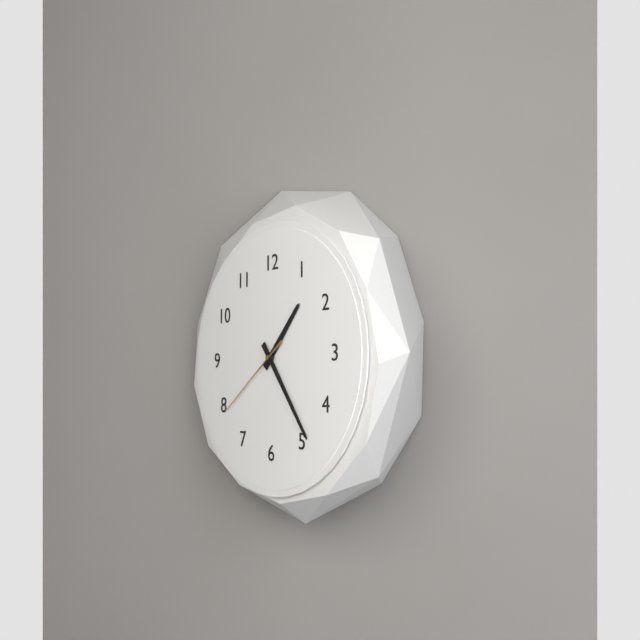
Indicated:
1:24:39
